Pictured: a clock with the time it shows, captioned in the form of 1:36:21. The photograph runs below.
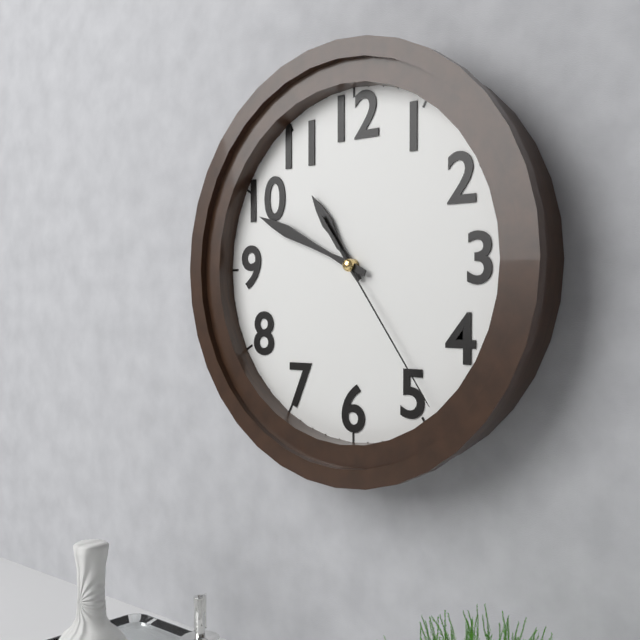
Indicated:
10:49:24
